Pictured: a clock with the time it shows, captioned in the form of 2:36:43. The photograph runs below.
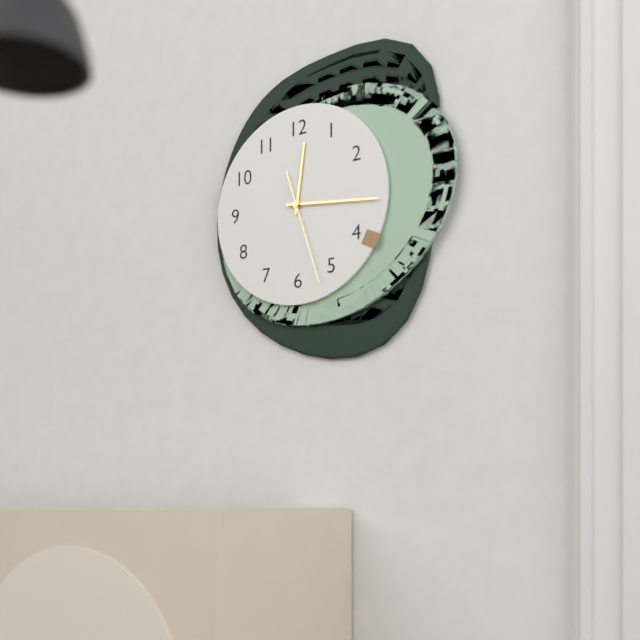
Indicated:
12:16:27
